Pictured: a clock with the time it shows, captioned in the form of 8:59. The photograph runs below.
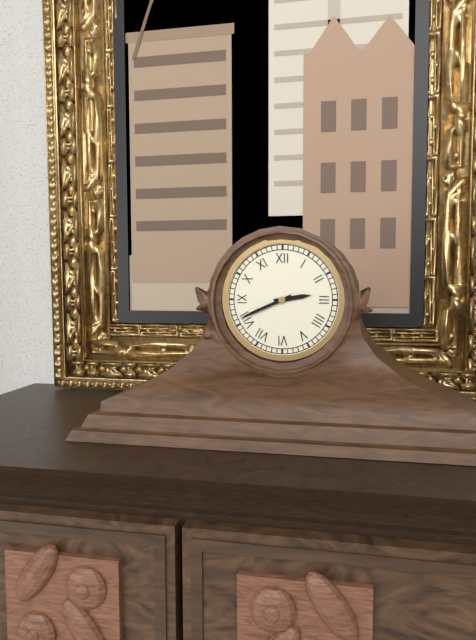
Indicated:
2:41
